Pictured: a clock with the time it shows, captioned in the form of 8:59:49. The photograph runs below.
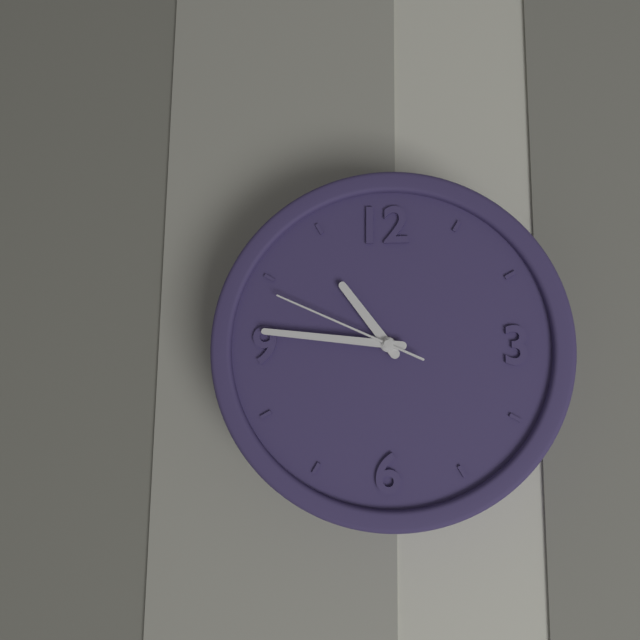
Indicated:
10:46:49
